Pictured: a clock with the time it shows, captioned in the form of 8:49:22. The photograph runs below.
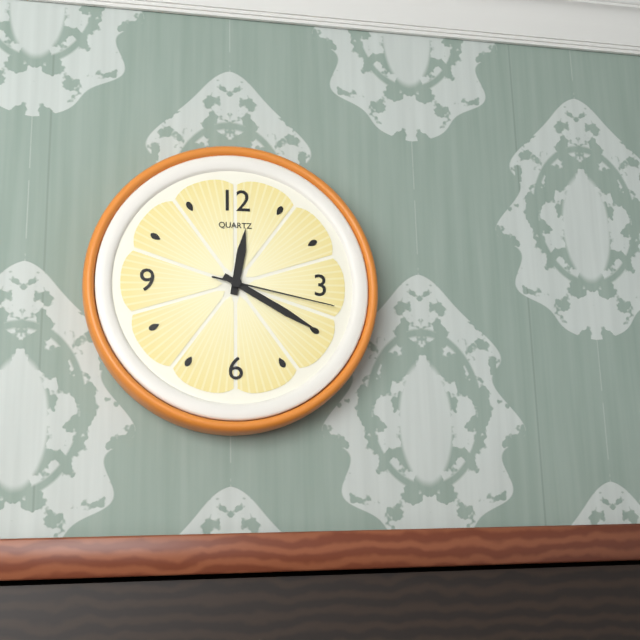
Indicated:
12:20:17
